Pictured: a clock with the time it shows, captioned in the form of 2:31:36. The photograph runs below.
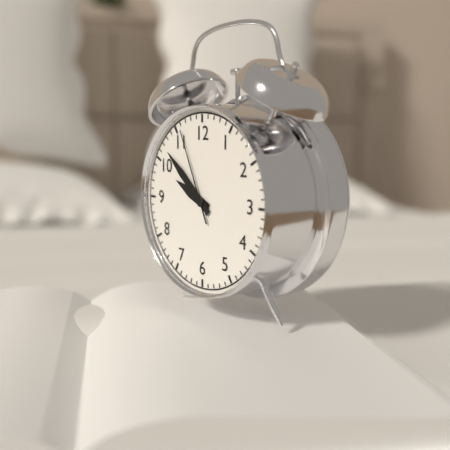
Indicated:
9:52:56
